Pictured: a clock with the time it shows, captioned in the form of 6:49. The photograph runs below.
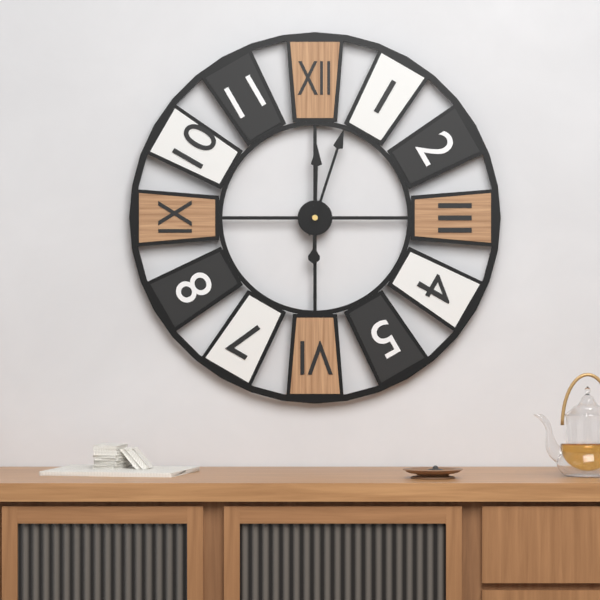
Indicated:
12:03
